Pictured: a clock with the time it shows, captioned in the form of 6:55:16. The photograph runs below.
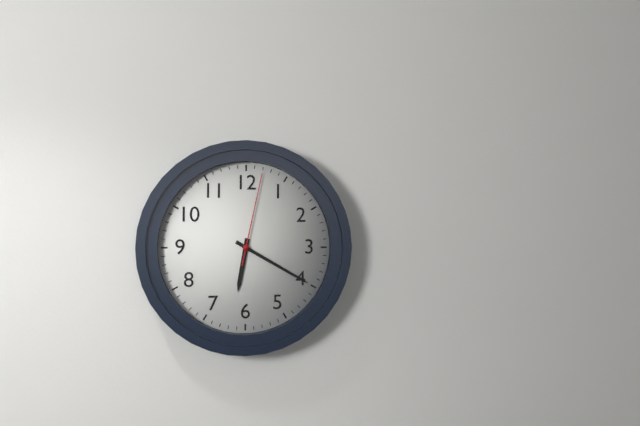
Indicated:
6:20:02
